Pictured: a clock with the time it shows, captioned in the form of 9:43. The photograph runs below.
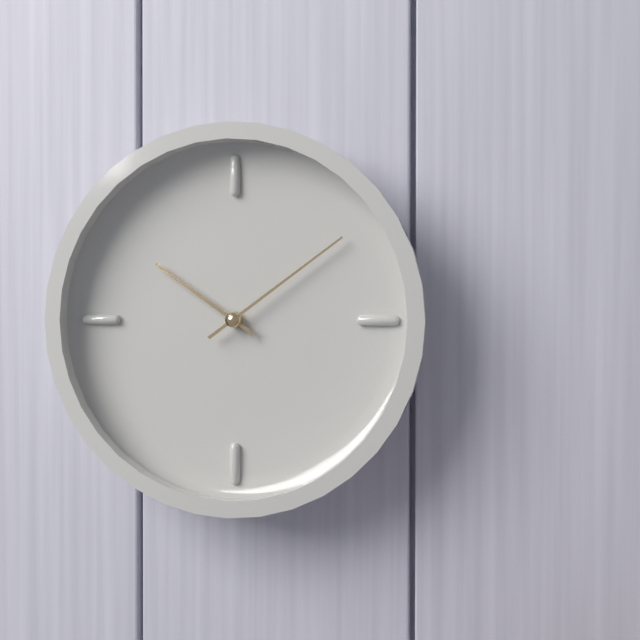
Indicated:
10:09
